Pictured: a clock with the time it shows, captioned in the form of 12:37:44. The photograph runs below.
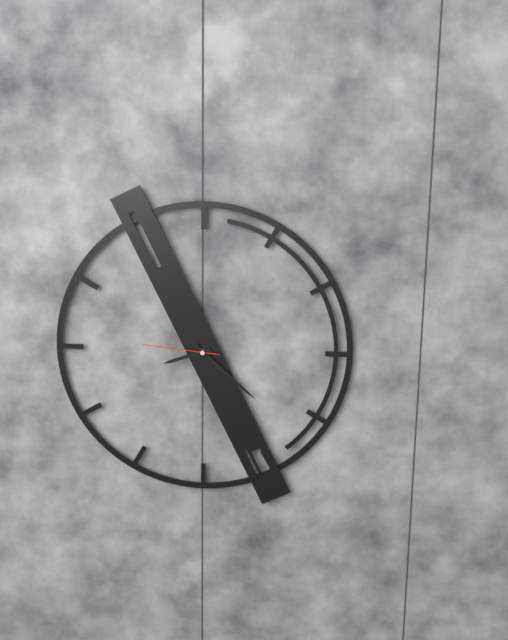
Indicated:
8:22:46
